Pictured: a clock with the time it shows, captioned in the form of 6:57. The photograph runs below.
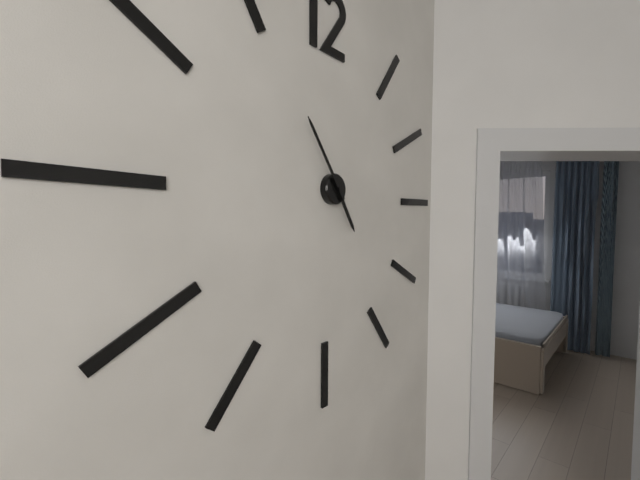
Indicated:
4:54
